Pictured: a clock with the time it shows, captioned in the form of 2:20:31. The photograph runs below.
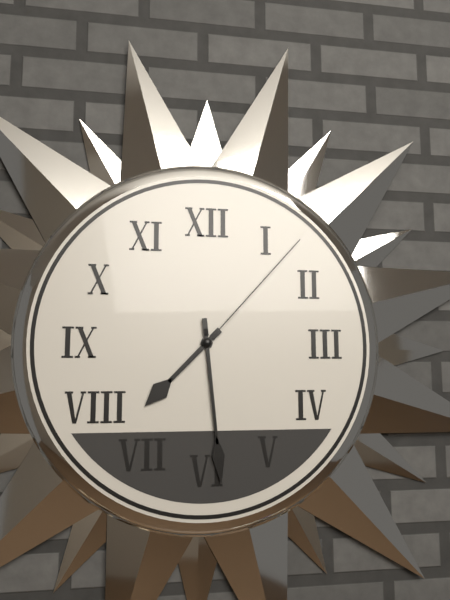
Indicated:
7:29:07
